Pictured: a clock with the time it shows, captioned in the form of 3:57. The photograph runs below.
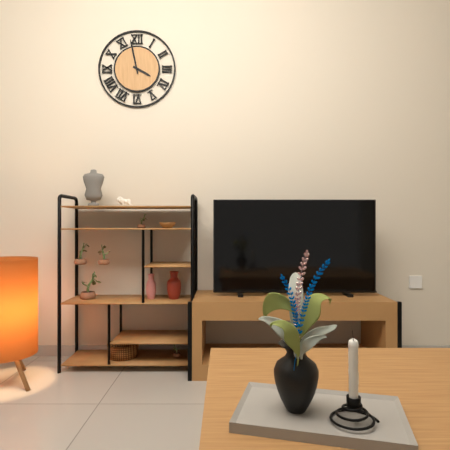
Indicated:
3:58
